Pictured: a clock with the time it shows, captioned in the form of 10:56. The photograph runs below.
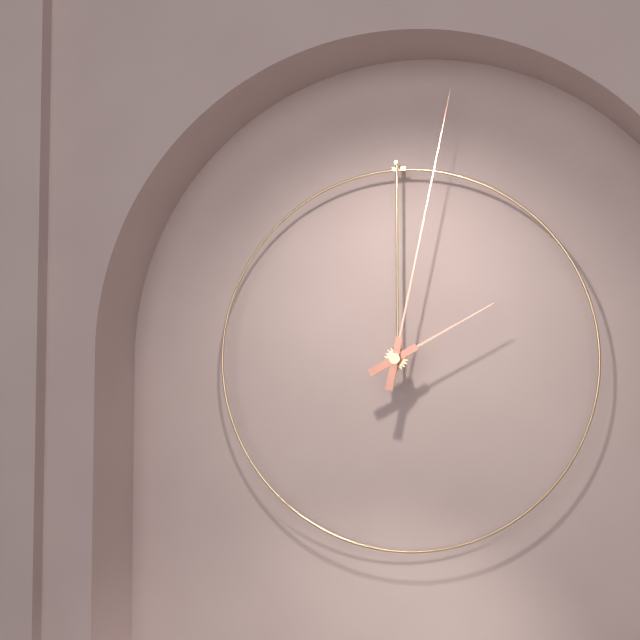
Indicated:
2:02
